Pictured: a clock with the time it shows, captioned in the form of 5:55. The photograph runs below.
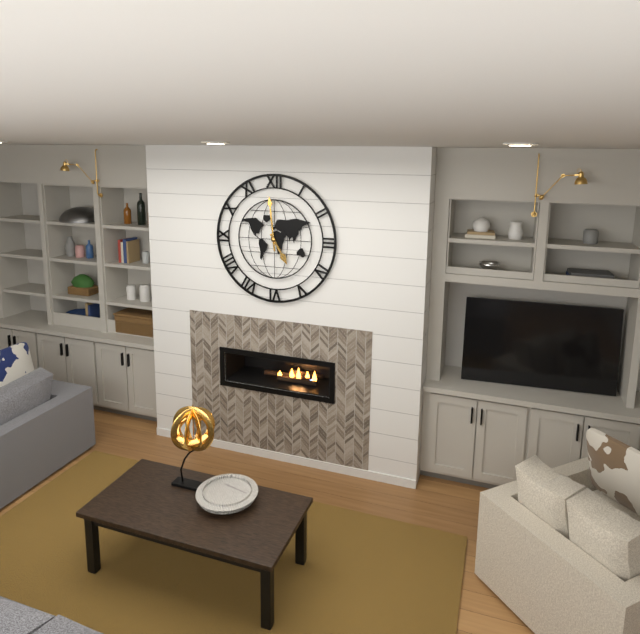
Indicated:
4:59
